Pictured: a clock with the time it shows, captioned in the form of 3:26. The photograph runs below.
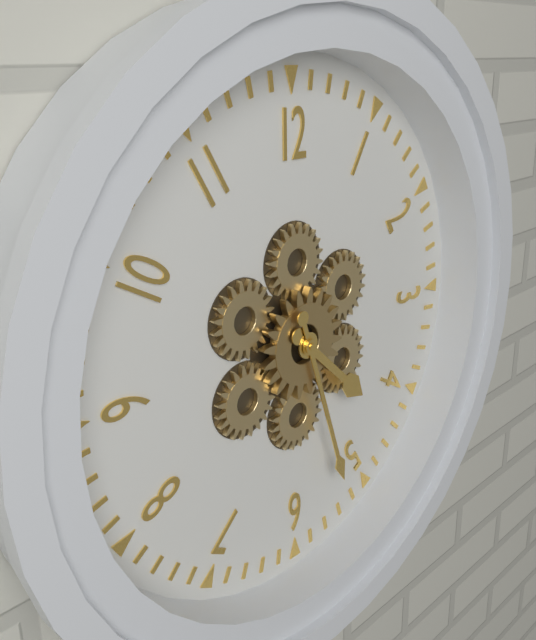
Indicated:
4:27
